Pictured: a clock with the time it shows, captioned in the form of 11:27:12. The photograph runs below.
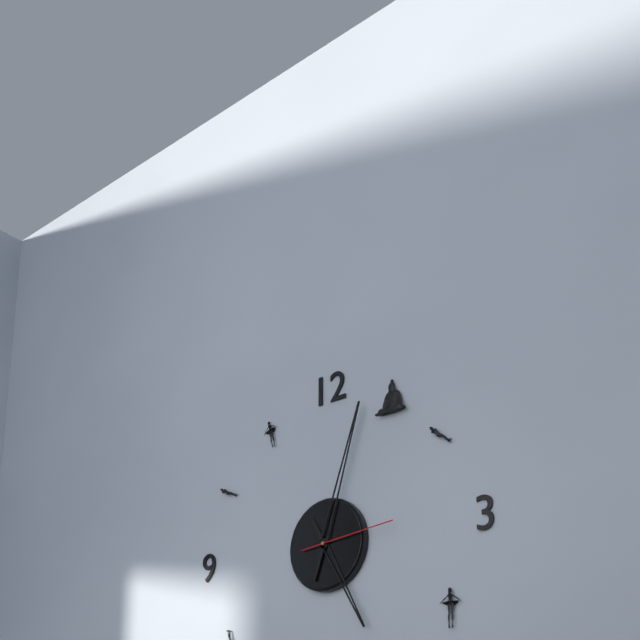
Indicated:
5:03:14
